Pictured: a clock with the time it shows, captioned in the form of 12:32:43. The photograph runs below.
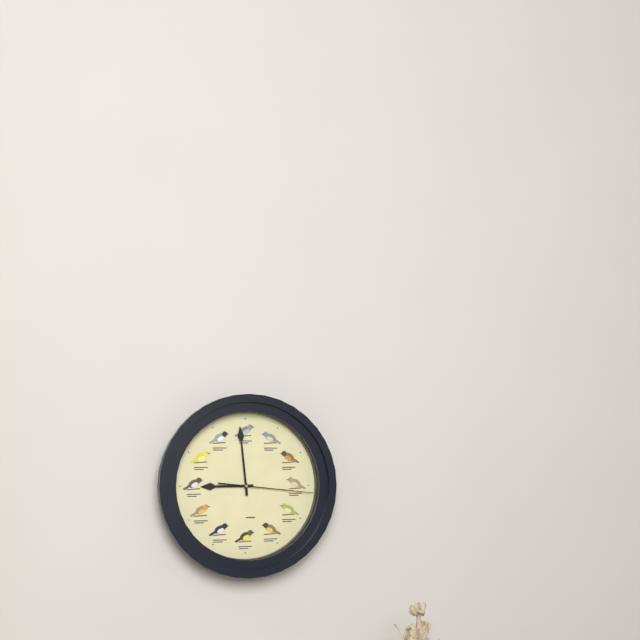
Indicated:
8:59:16
